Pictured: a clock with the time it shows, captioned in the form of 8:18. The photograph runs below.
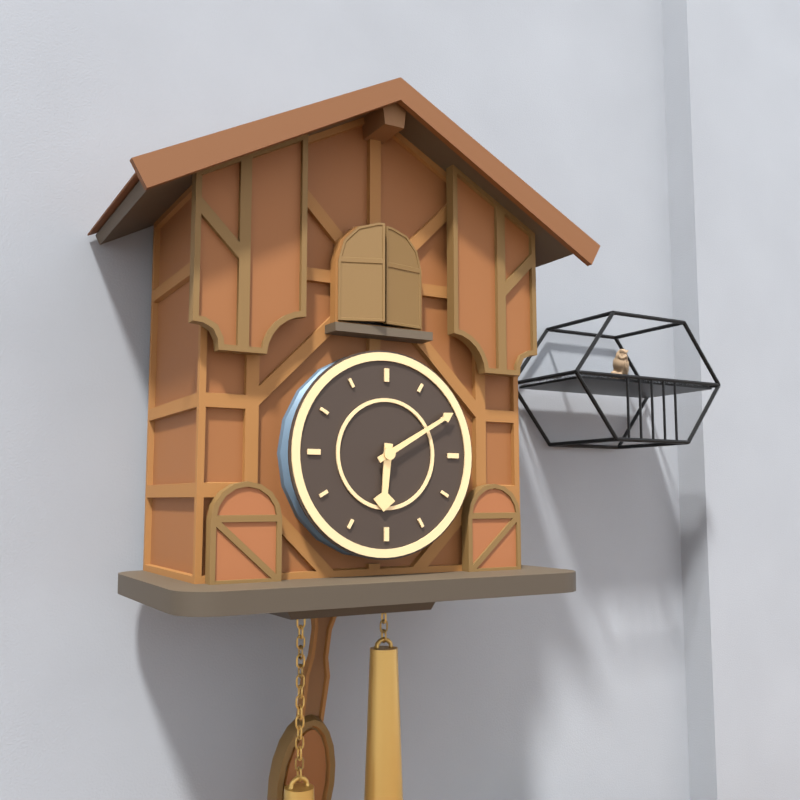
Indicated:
6:10
